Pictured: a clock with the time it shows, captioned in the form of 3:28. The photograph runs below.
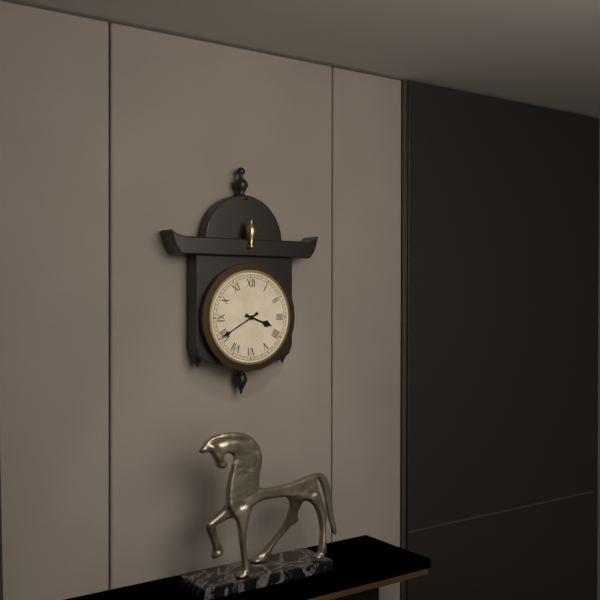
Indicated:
3:40
